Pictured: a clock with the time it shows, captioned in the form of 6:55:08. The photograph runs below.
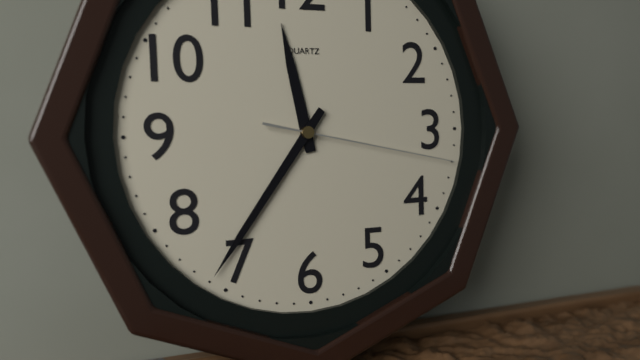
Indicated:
11:36:17
